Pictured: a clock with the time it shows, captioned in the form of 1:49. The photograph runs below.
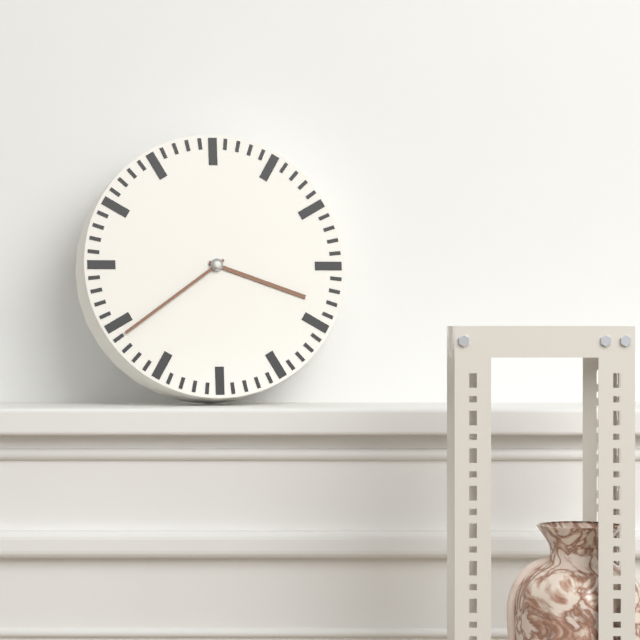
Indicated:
3:39
